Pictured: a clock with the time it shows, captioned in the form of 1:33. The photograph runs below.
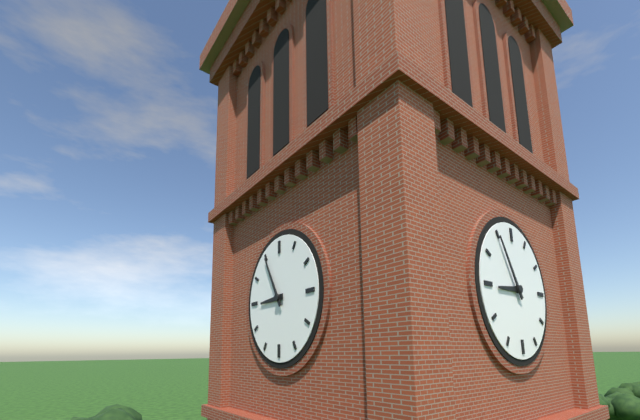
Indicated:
8:55
